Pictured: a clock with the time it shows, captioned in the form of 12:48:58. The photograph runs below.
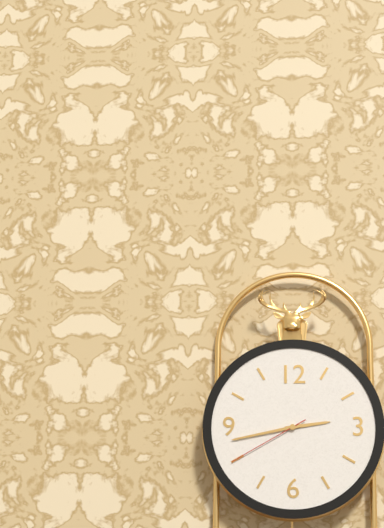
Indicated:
2:43:40
